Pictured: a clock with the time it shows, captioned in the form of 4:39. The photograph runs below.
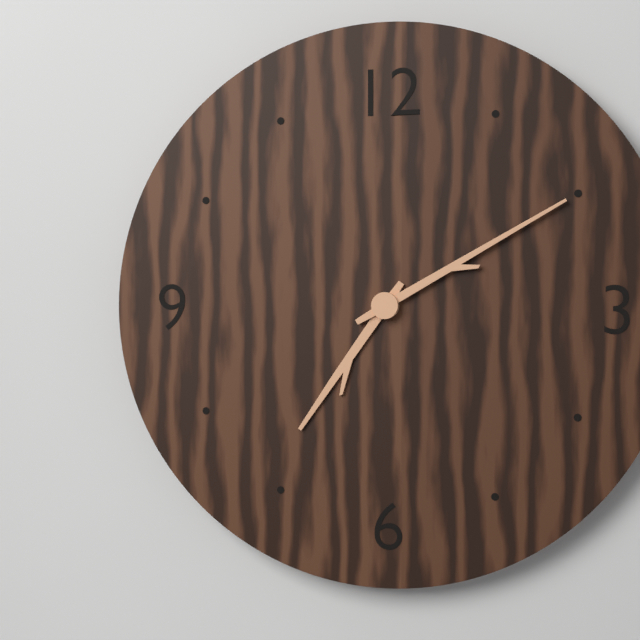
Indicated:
7:10
